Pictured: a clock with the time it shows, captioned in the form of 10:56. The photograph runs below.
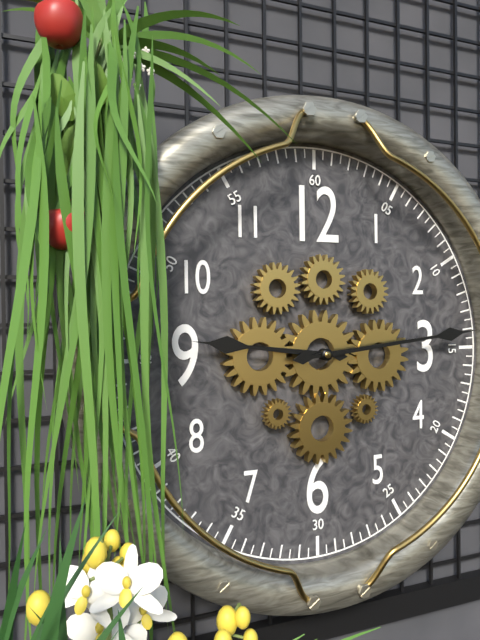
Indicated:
9:14
